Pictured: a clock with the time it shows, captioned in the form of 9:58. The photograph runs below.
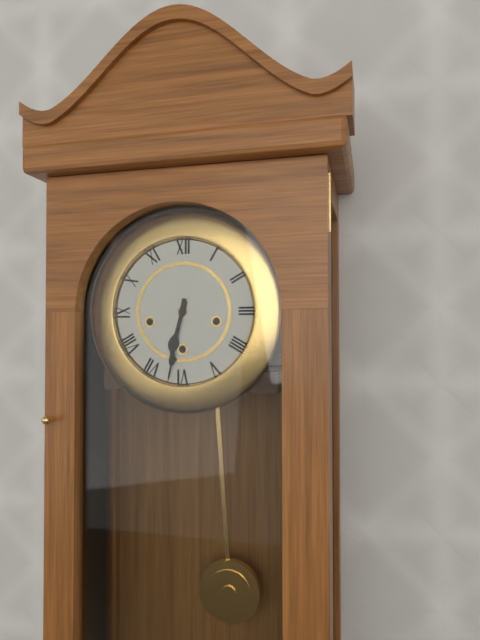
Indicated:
6:32
